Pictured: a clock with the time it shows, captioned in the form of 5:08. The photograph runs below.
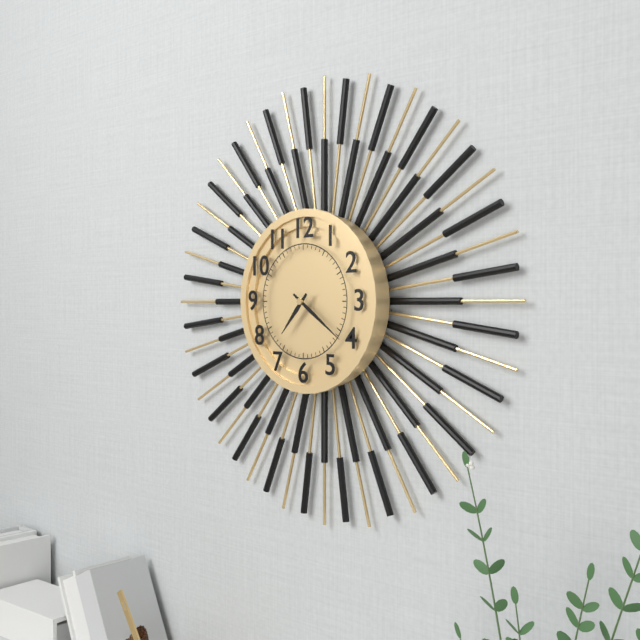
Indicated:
7:21
